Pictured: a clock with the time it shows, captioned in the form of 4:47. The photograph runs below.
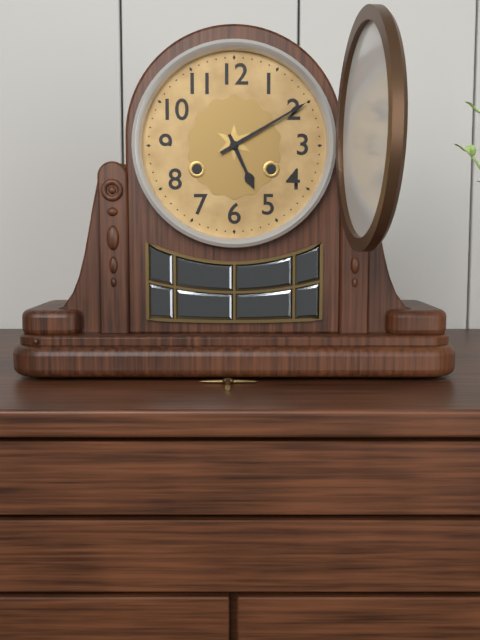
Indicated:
5:10
